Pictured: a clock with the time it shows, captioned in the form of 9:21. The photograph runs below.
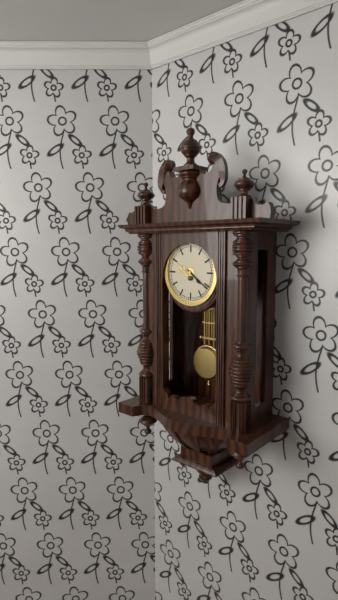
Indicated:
4:21
